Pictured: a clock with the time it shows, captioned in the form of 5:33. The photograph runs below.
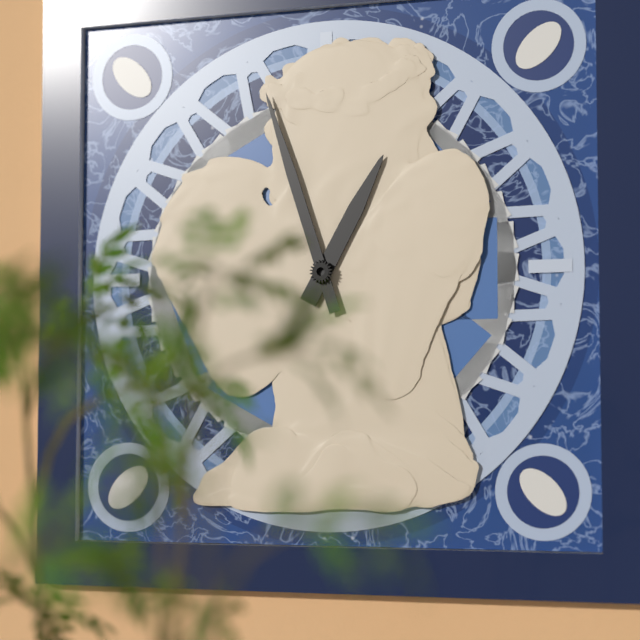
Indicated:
12:57
